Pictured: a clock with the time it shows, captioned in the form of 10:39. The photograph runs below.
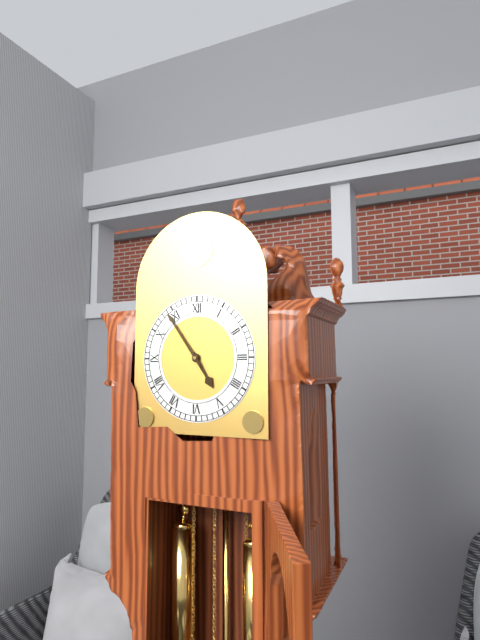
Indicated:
4:54
